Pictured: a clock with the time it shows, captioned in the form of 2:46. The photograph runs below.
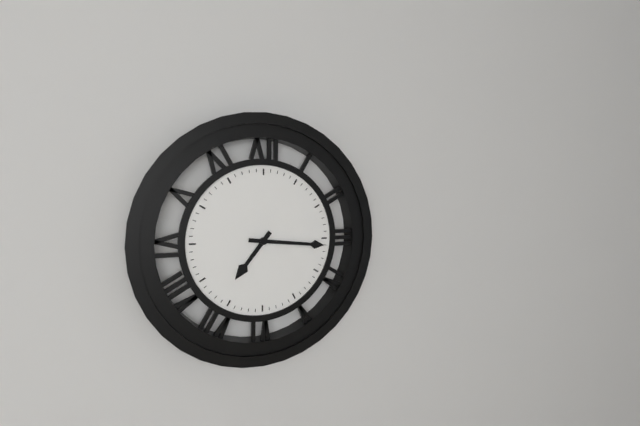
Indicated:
7:16
